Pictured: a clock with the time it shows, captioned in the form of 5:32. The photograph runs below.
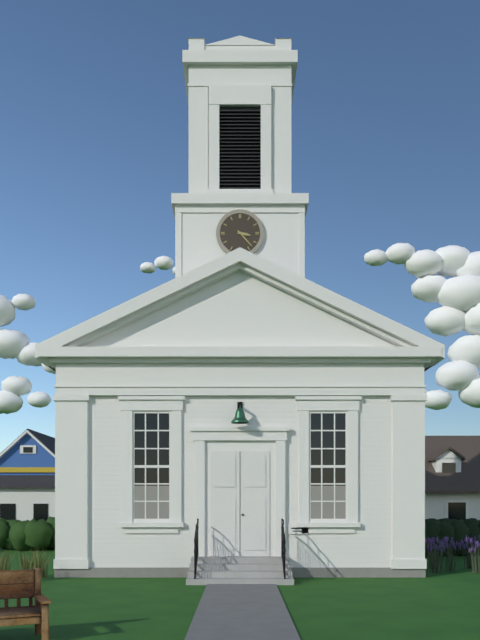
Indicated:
3:23
